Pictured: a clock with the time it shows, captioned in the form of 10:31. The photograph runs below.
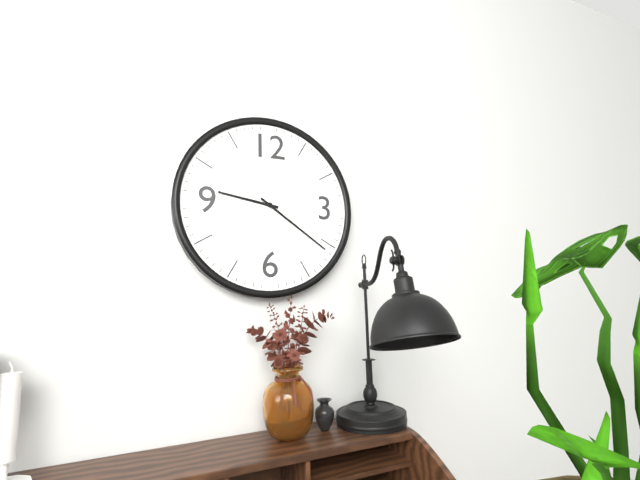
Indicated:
9:21
